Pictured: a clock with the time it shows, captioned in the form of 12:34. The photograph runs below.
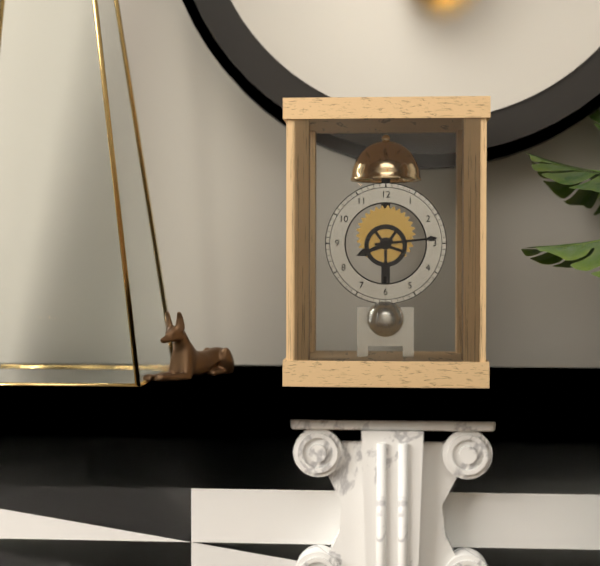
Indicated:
8:14
